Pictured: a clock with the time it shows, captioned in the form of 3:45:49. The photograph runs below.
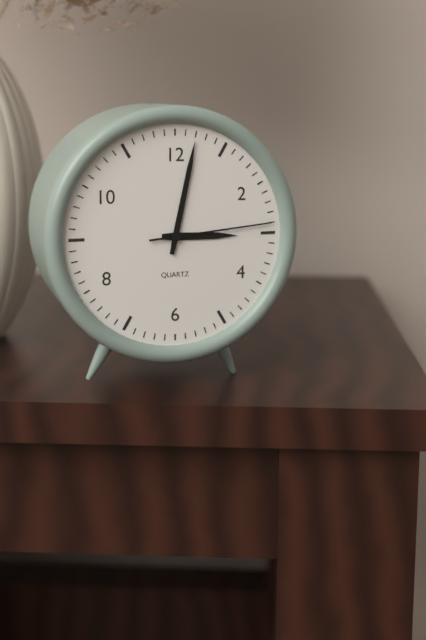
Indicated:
3:02:14
